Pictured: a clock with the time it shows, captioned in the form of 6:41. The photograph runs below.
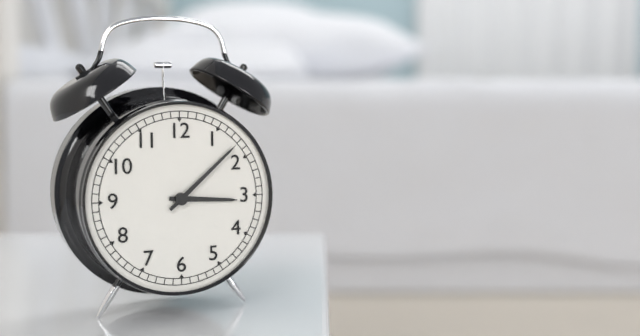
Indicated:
3:08
